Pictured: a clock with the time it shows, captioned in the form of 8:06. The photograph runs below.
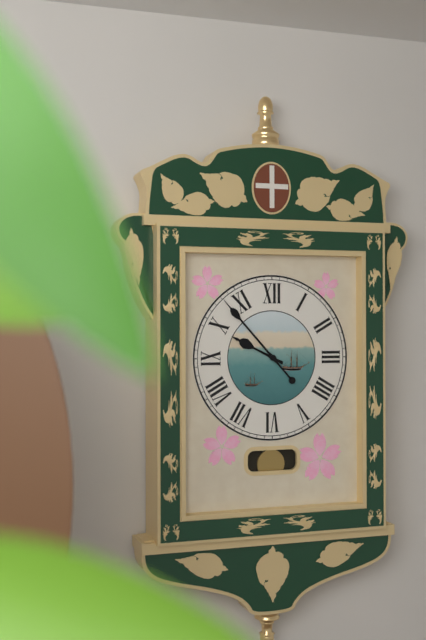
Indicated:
9:53
